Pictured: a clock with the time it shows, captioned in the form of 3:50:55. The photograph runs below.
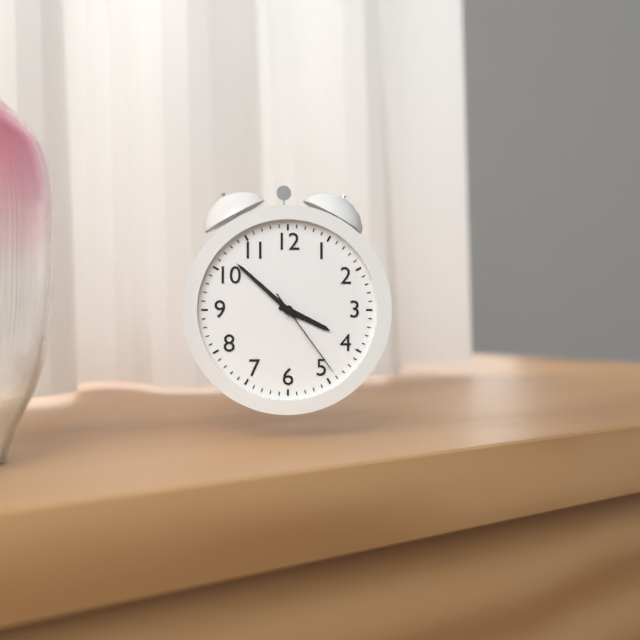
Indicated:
3:52:24
